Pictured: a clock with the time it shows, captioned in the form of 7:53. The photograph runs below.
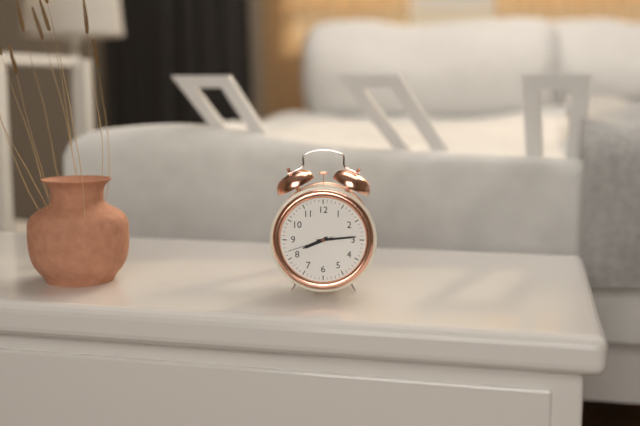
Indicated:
8:14
